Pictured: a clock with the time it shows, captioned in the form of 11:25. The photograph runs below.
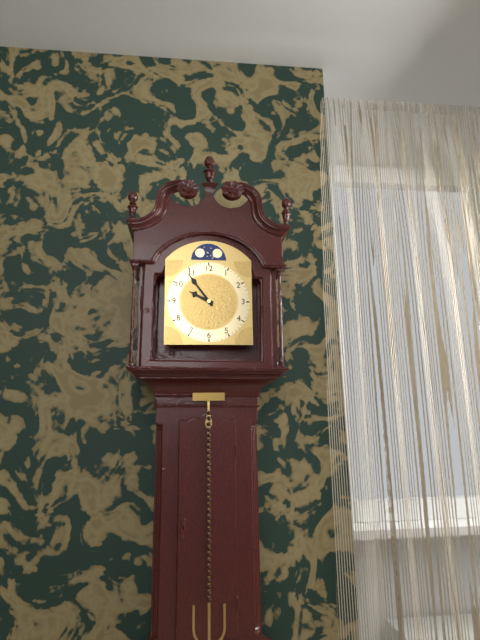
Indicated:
9:54
